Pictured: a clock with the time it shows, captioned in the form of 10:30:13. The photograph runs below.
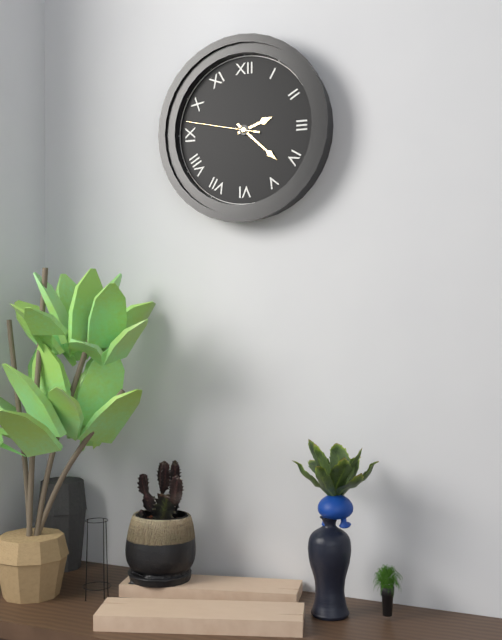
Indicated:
2:22:47
